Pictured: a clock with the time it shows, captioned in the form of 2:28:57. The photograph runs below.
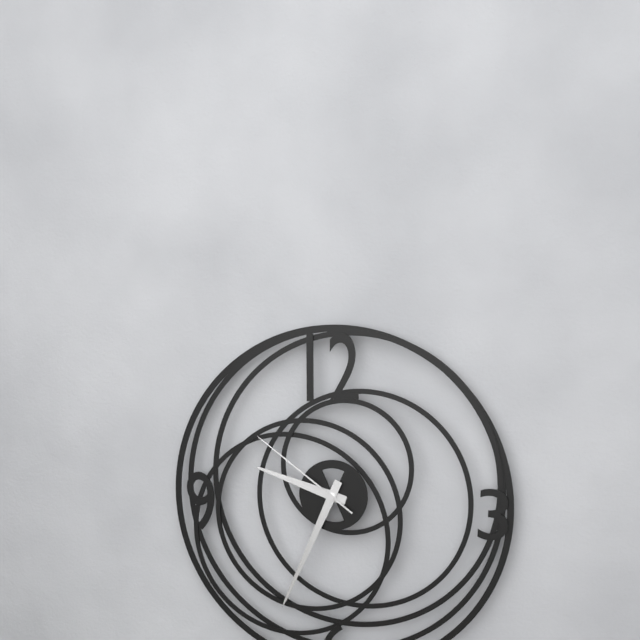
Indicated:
9:34:51
